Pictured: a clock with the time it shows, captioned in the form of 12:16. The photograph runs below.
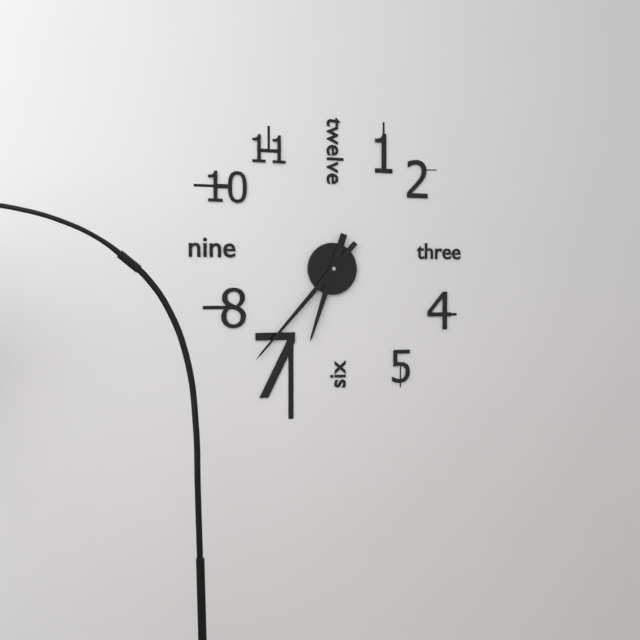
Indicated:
6:37
